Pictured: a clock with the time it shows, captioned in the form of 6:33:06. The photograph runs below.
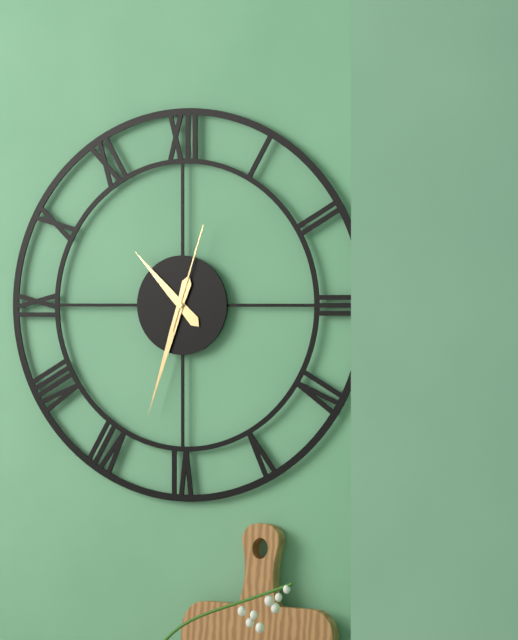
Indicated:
10:33:03
